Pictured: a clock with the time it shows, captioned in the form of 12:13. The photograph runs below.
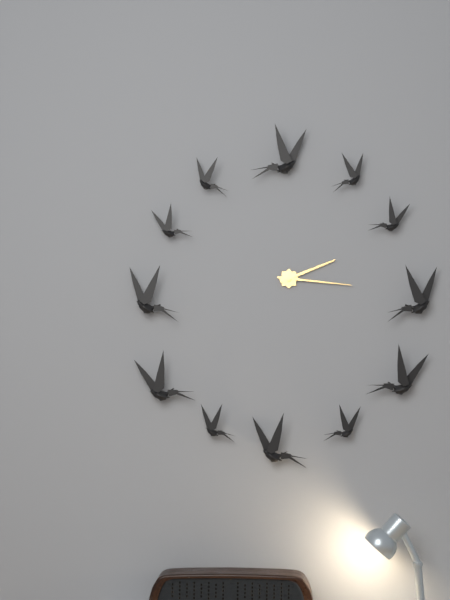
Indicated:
2:16
